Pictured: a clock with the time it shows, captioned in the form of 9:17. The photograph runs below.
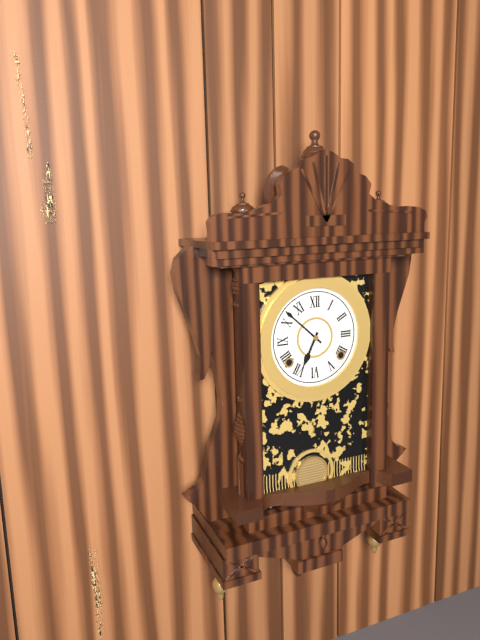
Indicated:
6:52
